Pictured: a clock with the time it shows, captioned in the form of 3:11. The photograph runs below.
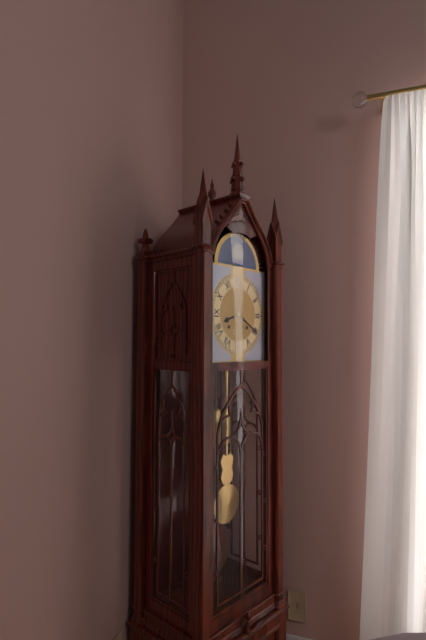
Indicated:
8:20
